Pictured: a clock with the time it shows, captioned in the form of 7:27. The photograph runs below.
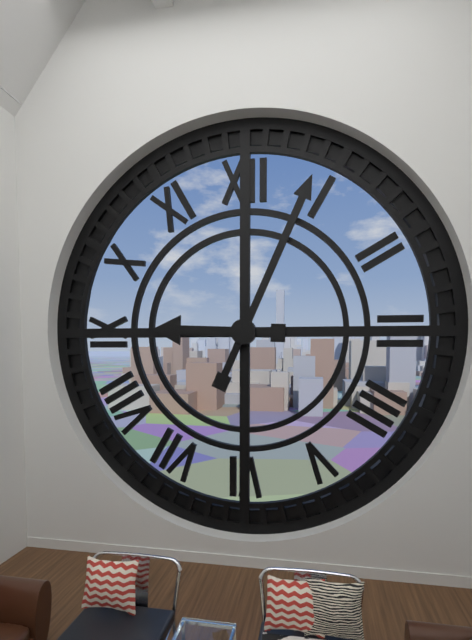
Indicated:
9:04
